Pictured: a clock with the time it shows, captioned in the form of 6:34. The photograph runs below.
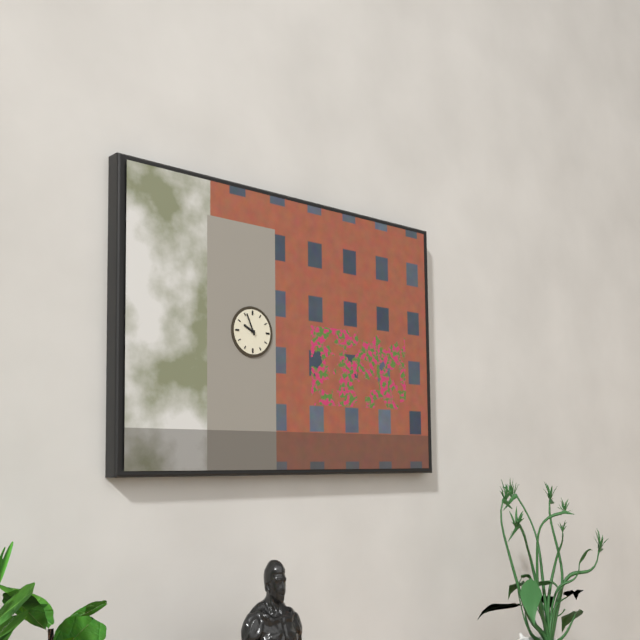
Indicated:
9:56
